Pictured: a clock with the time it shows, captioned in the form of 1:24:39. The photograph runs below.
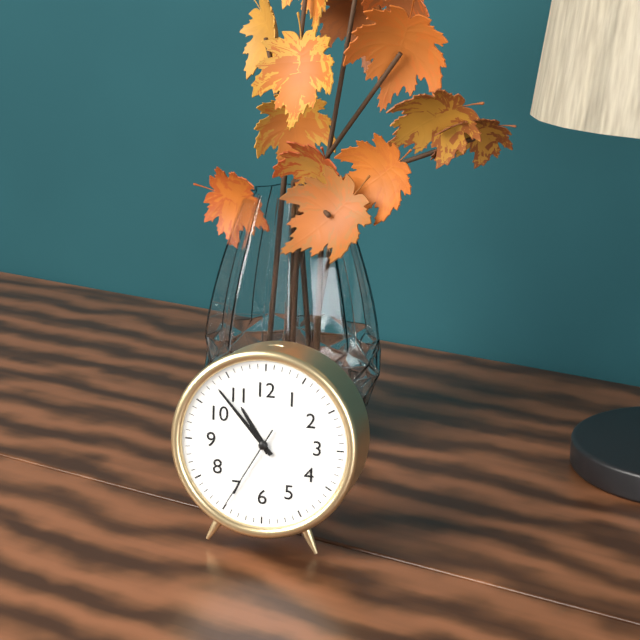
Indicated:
10:53:35
